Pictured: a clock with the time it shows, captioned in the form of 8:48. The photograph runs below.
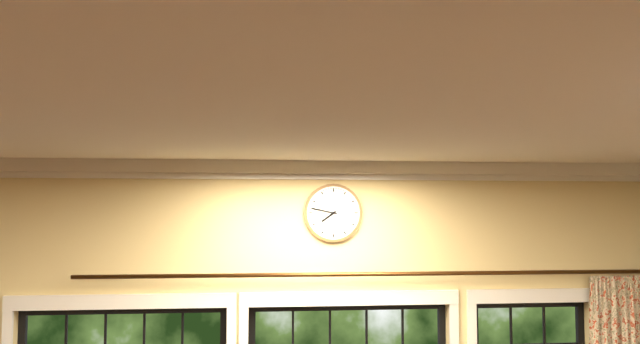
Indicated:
7:47
